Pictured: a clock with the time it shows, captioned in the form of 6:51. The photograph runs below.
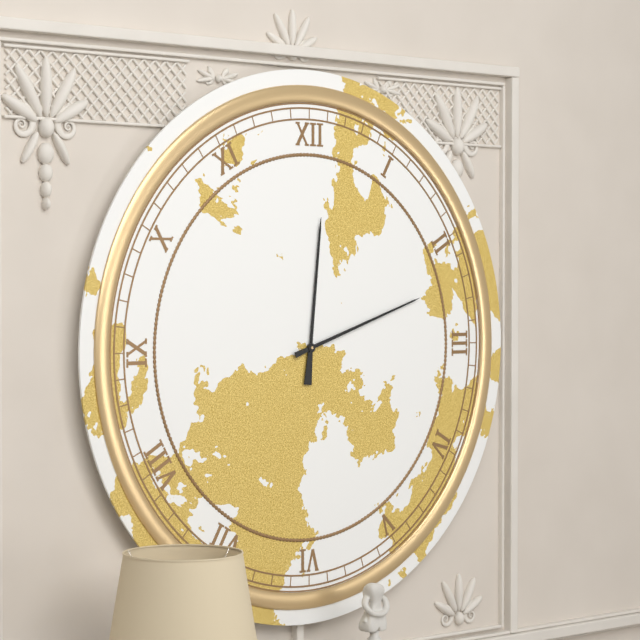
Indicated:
12:12
